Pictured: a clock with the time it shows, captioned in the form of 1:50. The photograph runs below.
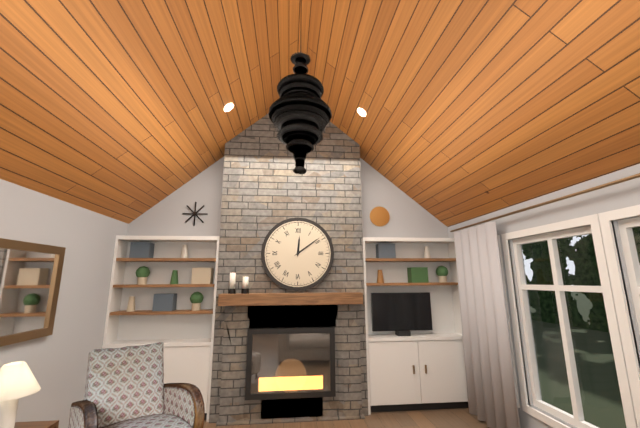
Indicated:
12:09
